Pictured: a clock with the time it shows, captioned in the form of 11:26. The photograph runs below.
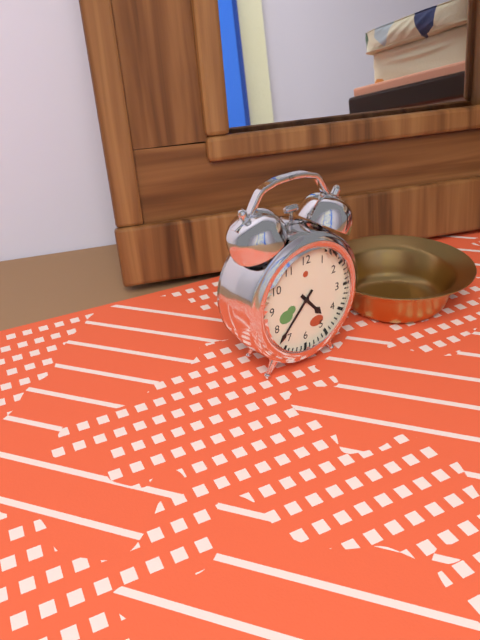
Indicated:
4:37
